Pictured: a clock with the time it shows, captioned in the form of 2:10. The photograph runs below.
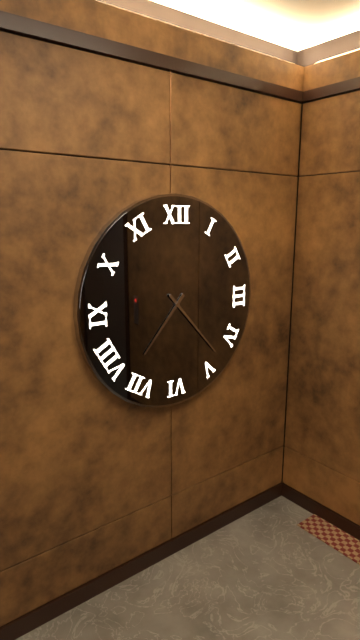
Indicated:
7:23
